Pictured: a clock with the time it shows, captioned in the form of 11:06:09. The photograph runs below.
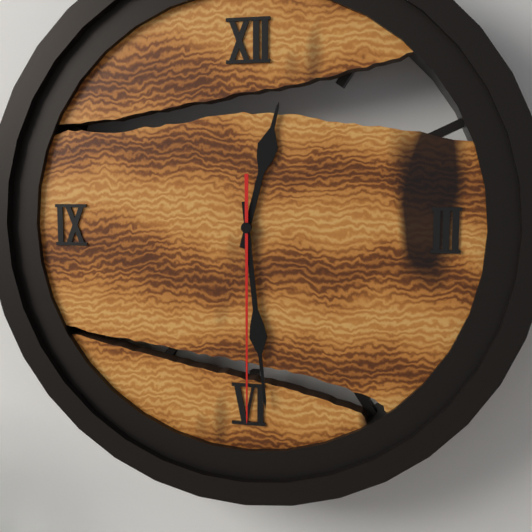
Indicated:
12:29:30
